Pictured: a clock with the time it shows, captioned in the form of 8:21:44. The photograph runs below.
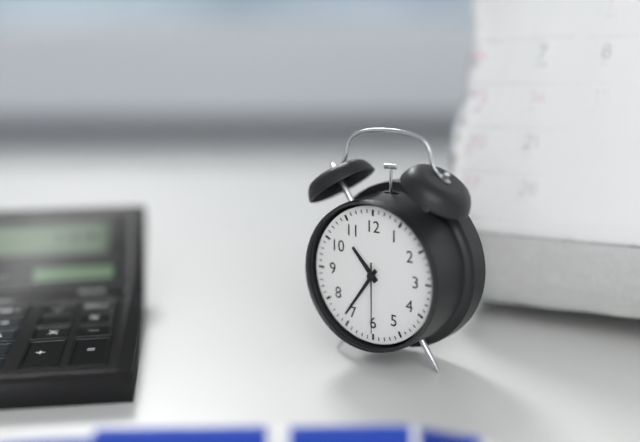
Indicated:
10:36:30
